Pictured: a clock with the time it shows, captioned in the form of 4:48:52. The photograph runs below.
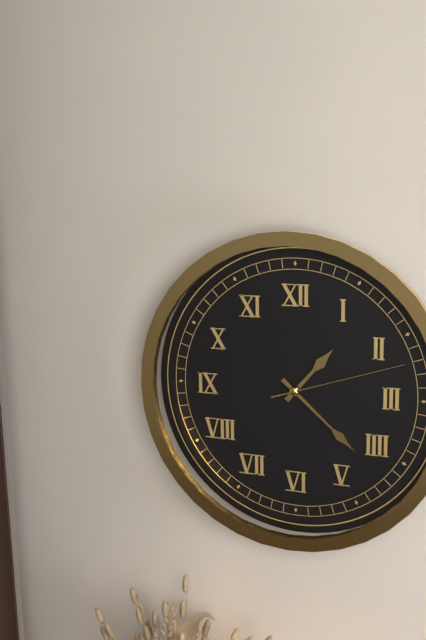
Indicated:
1:22:12
